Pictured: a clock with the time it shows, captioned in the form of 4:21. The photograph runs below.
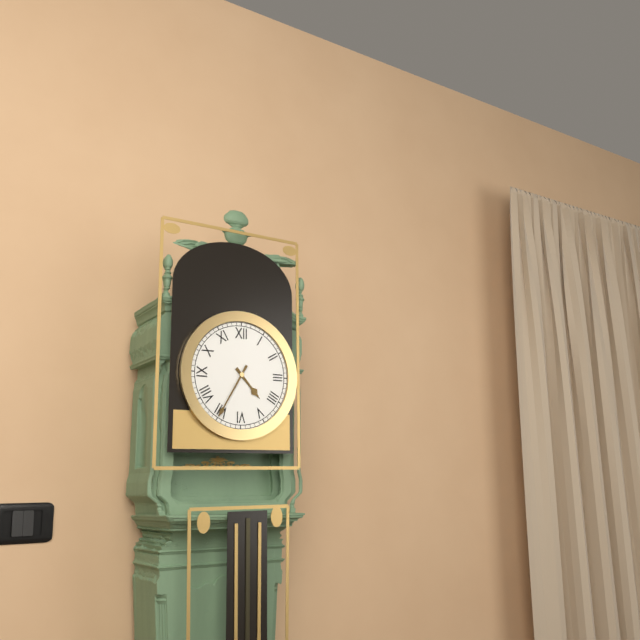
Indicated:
4:35
